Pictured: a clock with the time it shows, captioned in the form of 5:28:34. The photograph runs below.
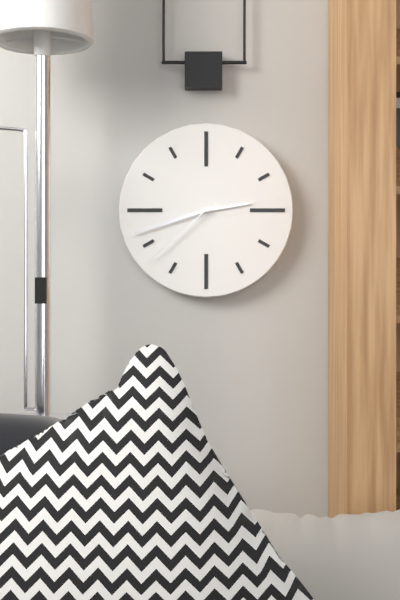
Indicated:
2:42:38
